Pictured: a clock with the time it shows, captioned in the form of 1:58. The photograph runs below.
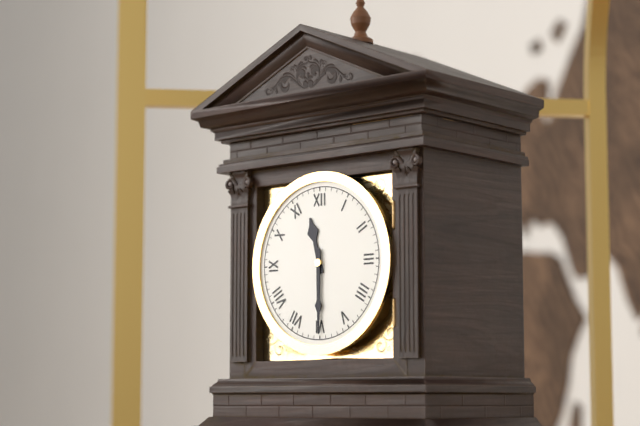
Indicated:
11:30
